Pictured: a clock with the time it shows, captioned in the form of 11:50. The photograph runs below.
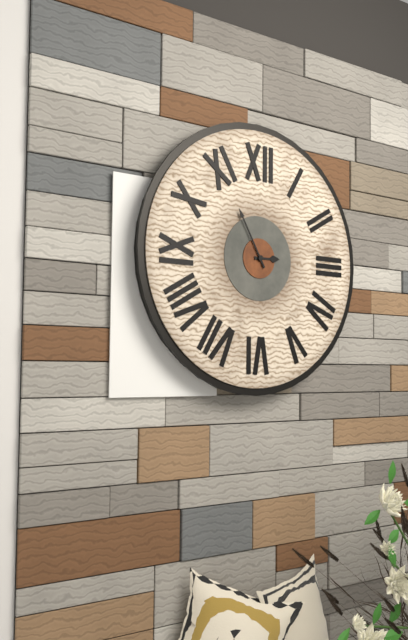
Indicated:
2:55
